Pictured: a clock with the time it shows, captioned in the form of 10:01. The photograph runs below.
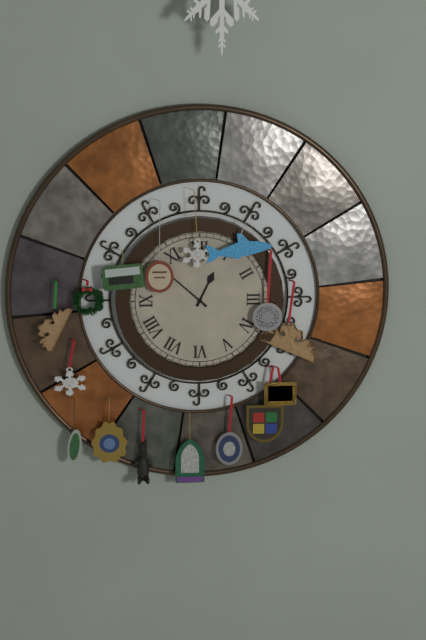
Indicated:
12:52
